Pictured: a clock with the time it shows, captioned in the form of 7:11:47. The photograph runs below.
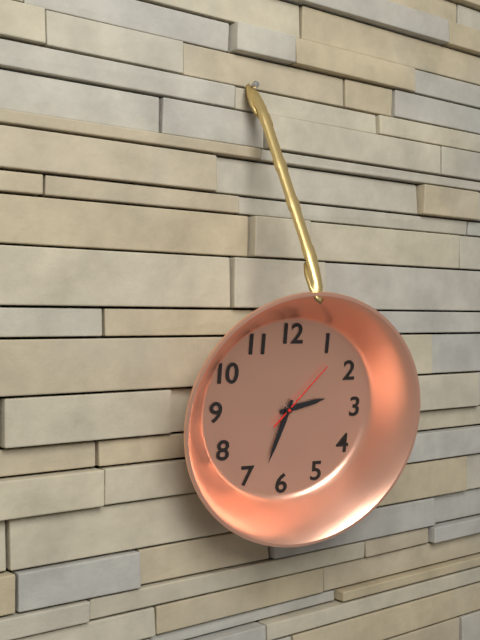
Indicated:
2:33:07
